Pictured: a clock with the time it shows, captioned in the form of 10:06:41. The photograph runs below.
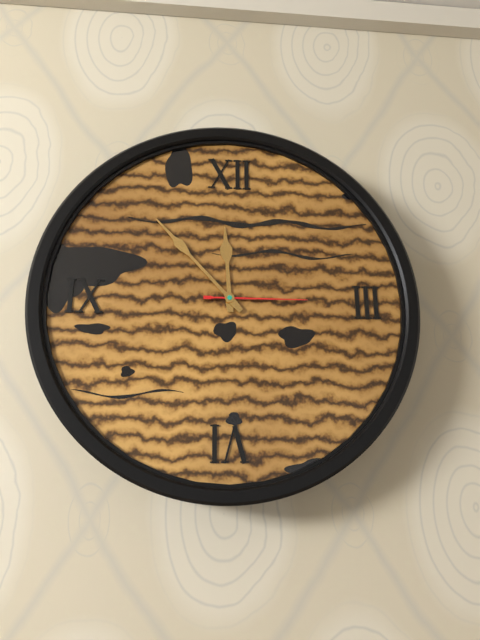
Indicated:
11:53:15
